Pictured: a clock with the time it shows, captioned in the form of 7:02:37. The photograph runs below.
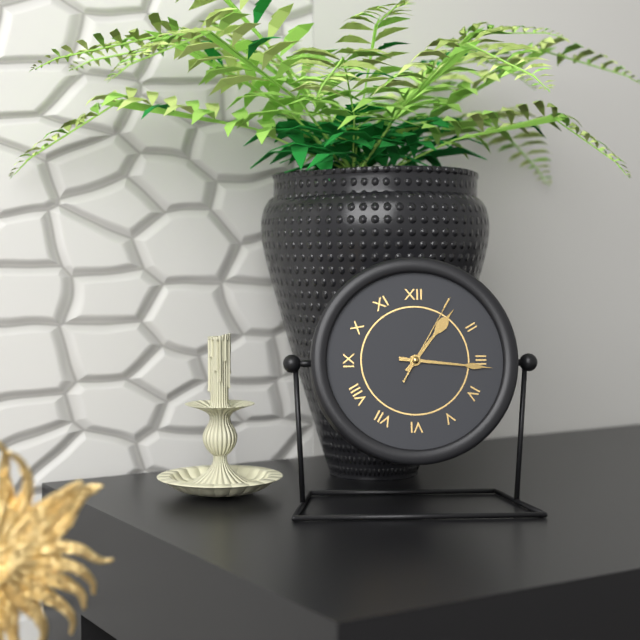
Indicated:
1:16:05
